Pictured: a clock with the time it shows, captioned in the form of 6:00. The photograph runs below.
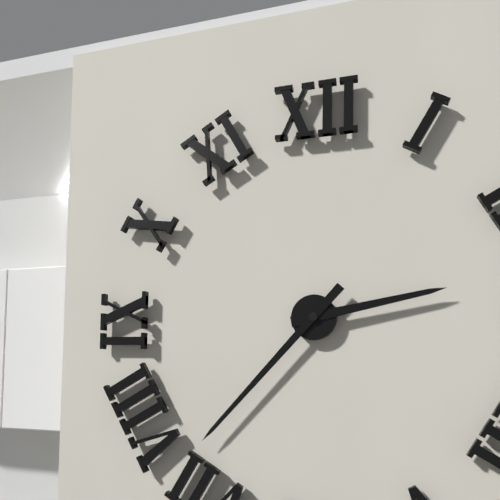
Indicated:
2:37
